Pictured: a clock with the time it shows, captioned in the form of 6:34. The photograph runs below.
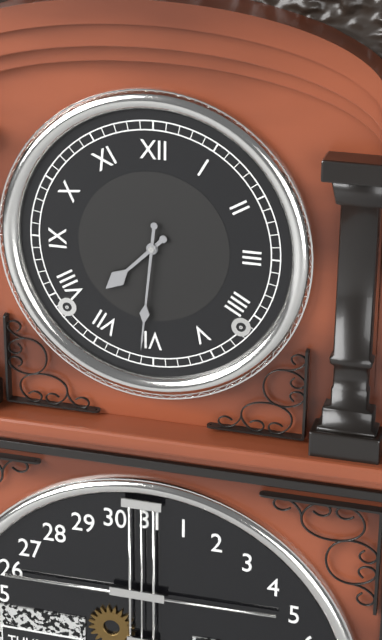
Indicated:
7:31
